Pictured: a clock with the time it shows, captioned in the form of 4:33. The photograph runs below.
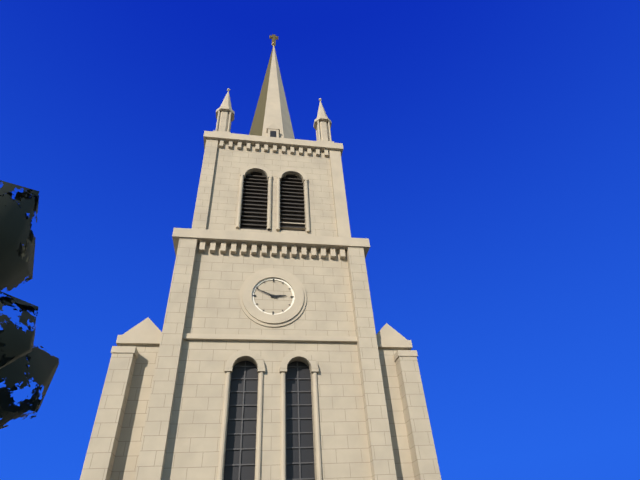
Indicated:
2:49
